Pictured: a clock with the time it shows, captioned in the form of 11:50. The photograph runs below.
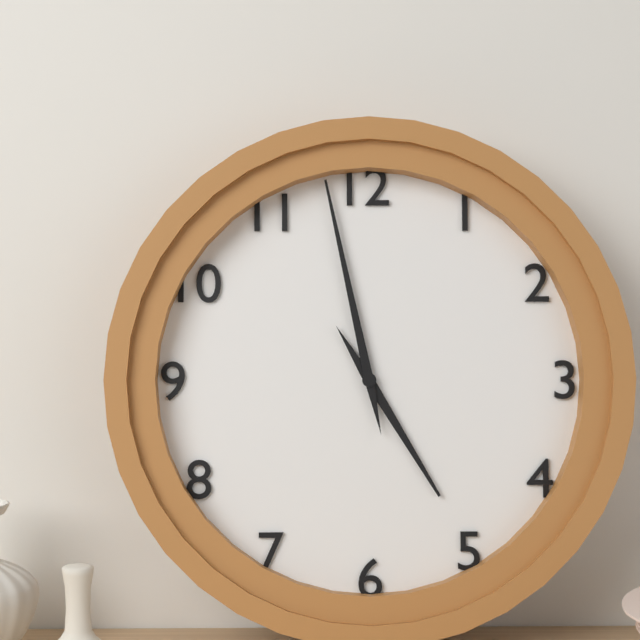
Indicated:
4:58
